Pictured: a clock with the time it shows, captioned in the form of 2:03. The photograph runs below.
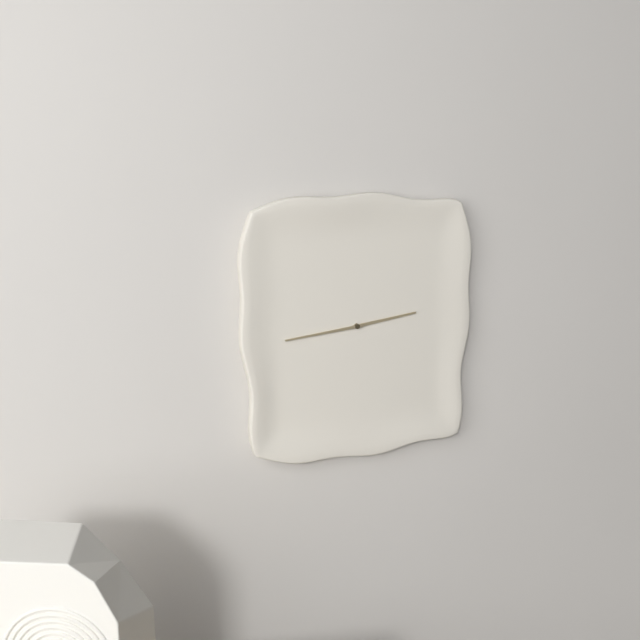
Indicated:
2:44
